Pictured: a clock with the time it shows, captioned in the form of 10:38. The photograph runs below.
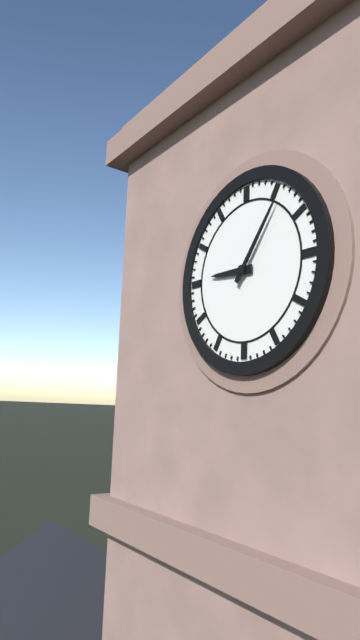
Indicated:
9:06
